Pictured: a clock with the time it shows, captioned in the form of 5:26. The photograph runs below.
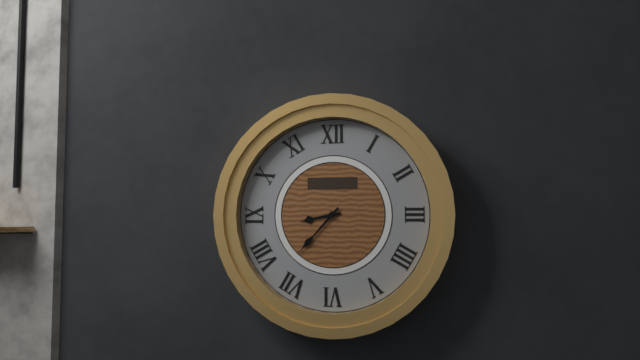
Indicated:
8:37
